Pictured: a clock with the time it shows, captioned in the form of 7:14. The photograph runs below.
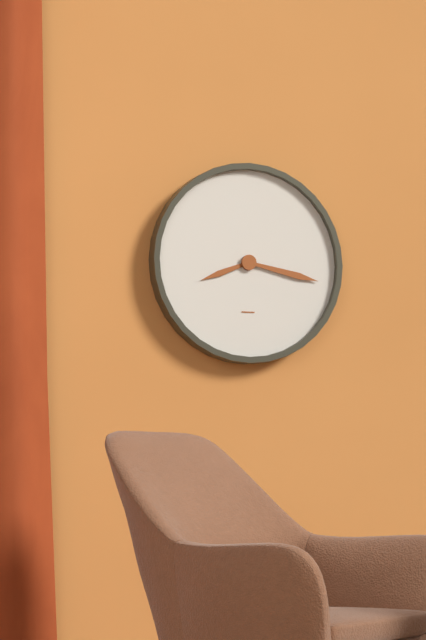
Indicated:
8:17
